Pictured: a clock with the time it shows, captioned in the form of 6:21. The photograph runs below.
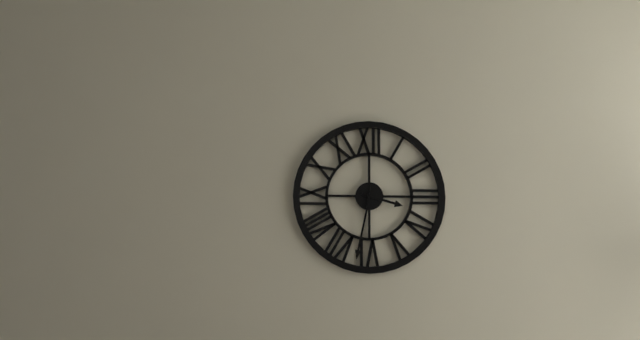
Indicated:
3:32
